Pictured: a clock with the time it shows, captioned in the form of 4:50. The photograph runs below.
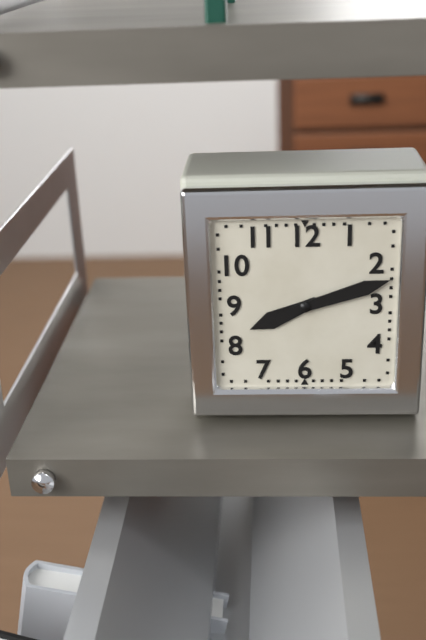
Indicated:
8:12
